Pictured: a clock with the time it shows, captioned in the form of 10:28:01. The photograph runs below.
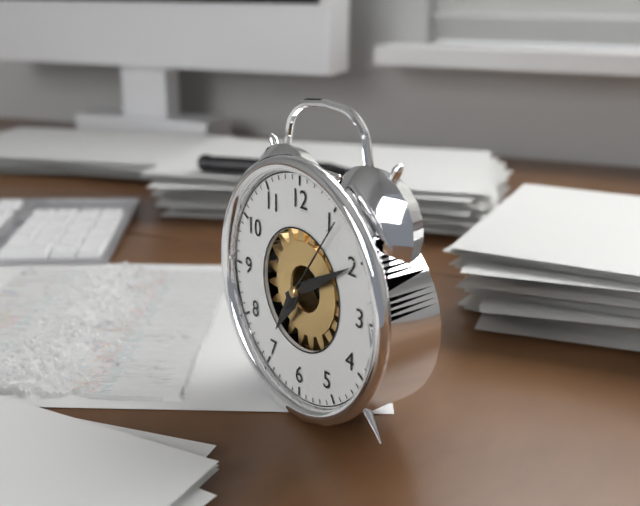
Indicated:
7:10:06
